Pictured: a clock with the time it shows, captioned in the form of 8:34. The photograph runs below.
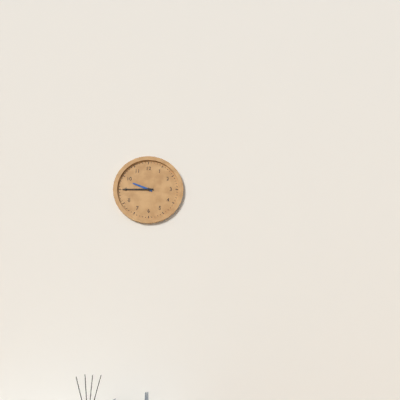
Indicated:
9:45
